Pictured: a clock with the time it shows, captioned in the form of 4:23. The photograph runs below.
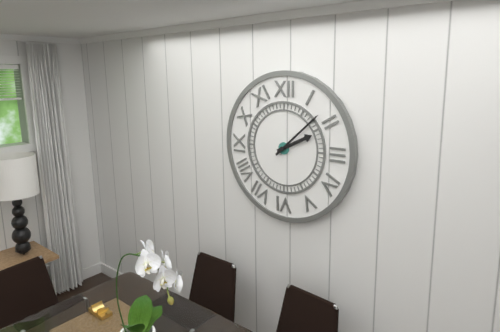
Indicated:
2:08
